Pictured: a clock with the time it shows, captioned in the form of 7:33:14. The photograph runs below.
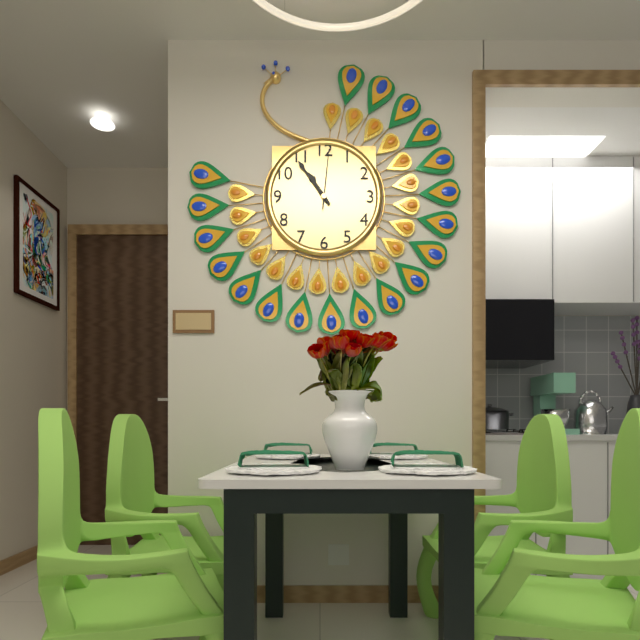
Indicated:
10:54:01
